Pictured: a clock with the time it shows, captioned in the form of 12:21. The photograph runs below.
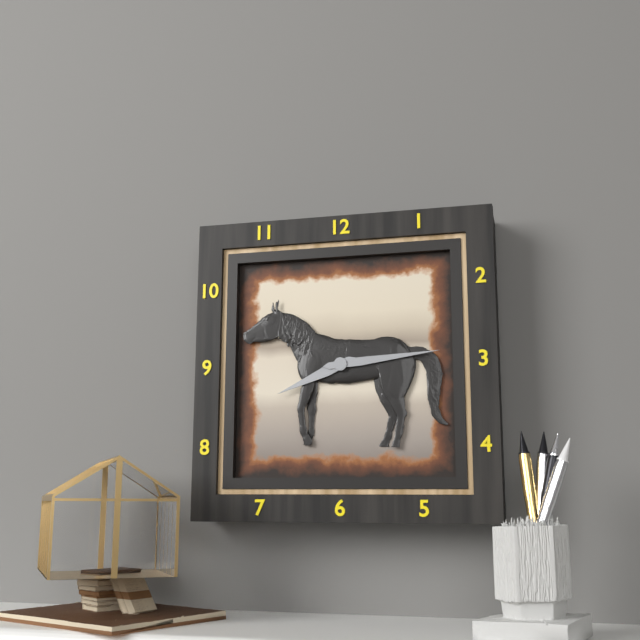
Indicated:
8:14
